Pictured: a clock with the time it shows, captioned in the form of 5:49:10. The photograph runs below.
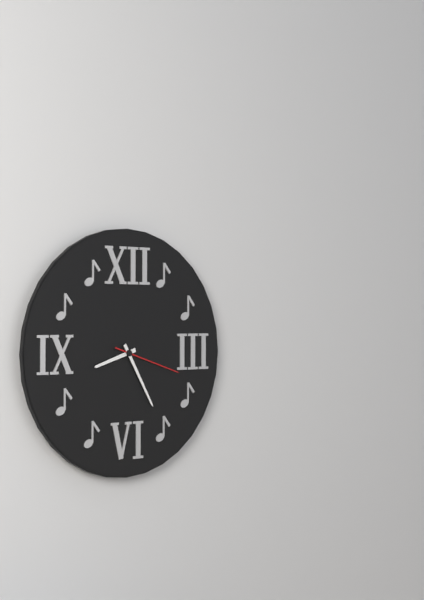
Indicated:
8:25:18
